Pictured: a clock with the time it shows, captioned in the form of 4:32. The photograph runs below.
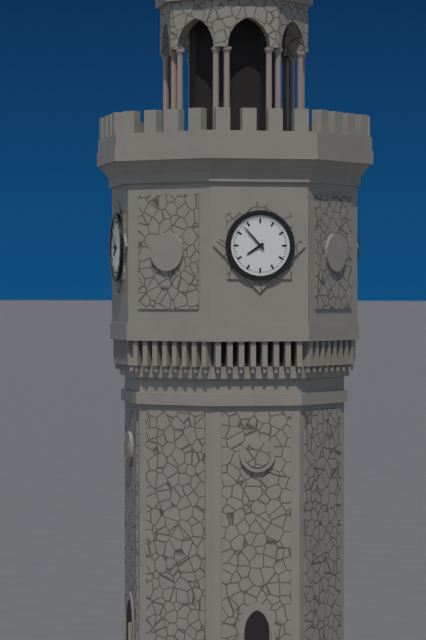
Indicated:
7:53
